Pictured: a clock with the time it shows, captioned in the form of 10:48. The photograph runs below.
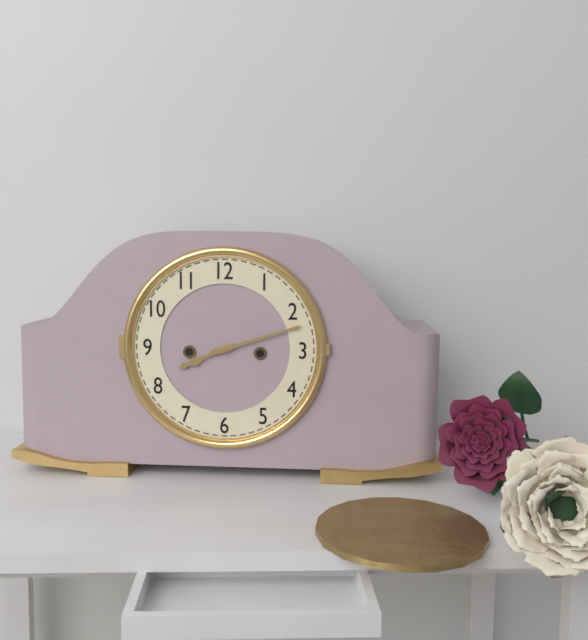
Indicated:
8:12
